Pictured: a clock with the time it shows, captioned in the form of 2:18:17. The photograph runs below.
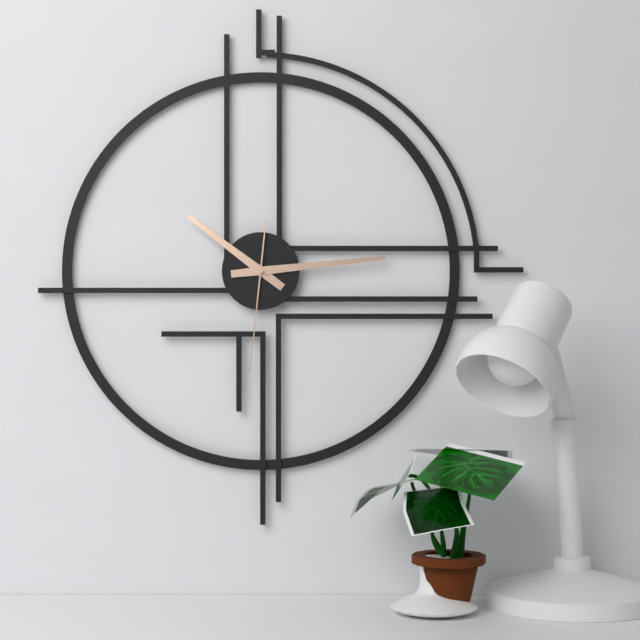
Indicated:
10:14:31
